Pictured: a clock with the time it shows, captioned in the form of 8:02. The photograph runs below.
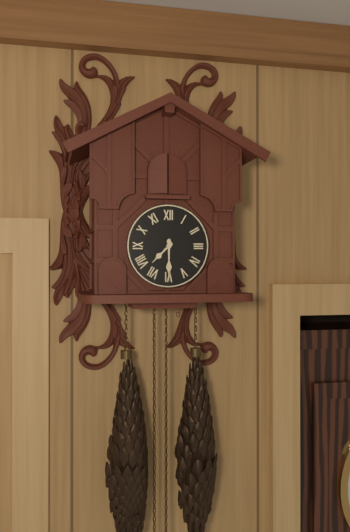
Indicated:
7:30
